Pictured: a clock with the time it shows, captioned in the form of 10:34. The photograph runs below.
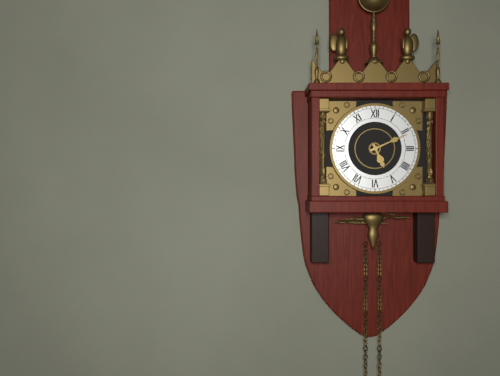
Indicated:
5:11
